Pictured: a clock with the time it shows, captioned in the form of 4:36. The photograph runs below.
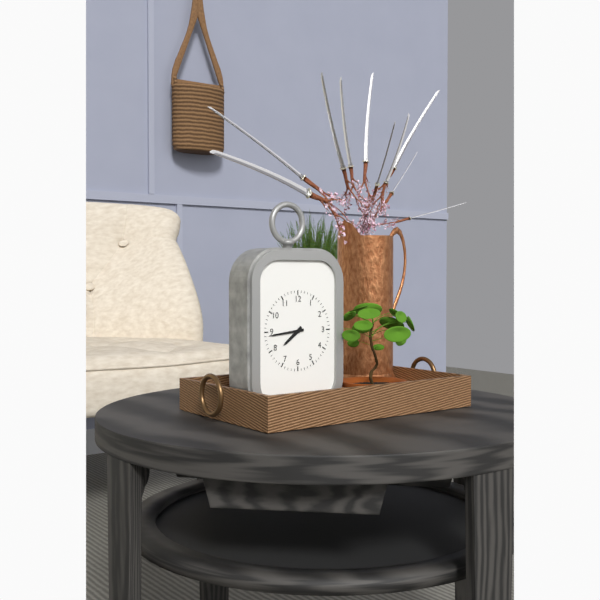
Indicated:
7:44
